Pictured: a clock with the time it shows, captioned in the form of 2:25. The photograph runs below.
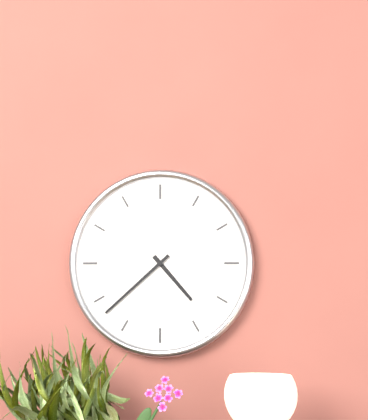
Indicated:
4:38
